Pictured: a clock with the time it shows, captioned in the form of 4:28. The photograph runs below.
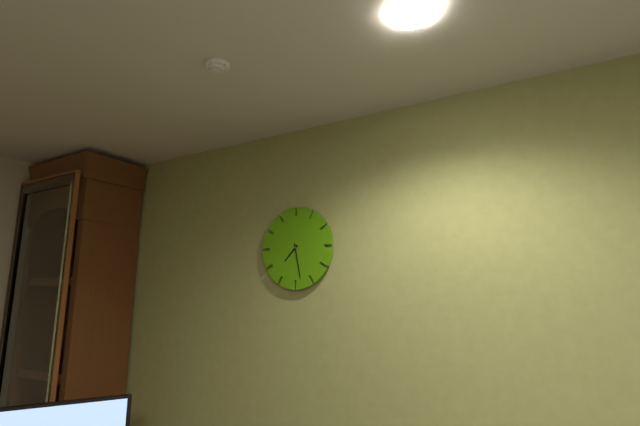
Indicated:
7:28
